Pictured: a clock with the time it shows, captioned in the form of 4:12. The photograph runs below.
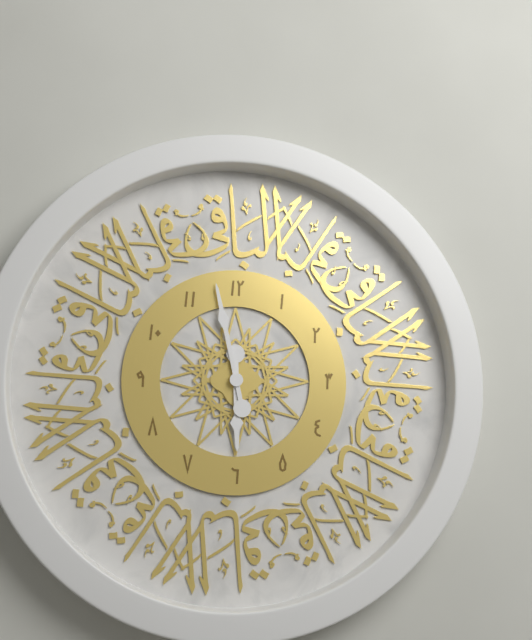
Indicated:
5:58
